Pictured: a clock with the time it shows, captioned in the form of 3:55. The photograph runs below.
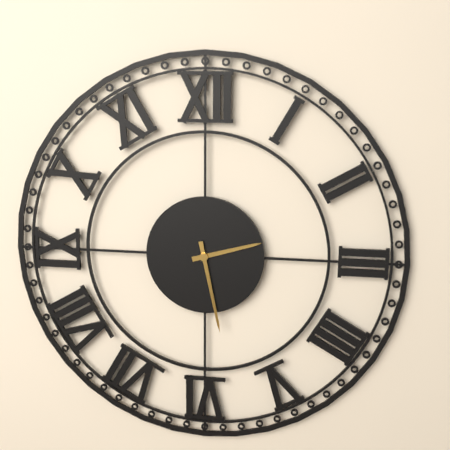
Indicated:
2:28
